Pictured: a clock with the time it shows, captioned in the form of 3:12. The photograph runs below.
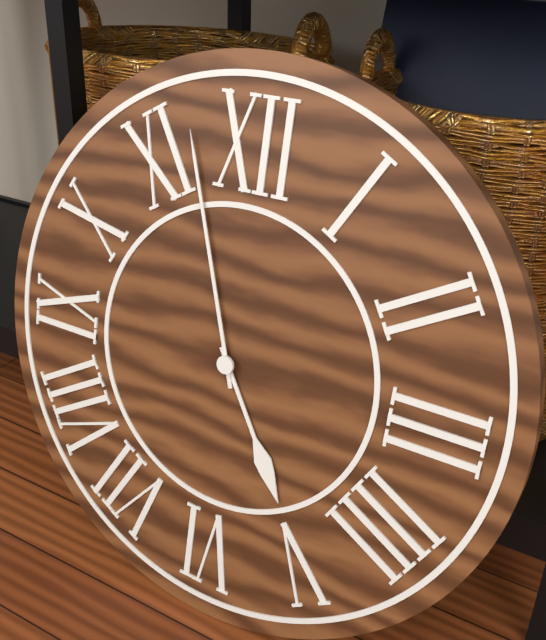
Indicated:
4:57
